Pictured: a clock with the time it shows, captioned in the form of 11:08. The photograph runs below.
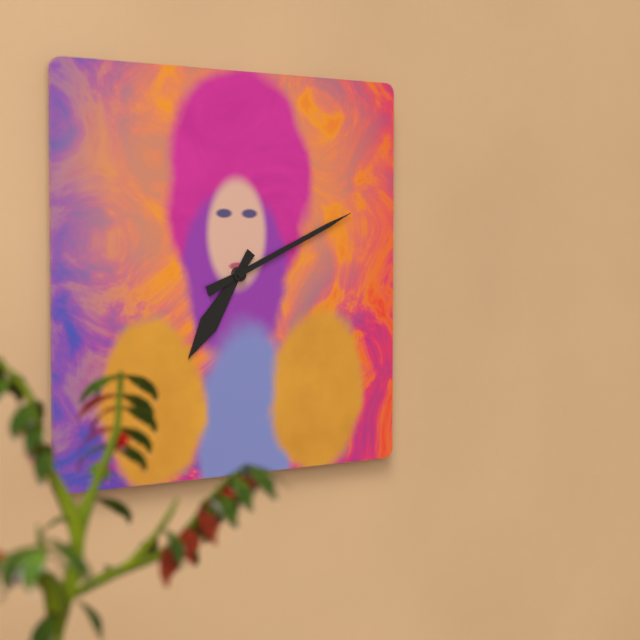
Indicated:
7:11
